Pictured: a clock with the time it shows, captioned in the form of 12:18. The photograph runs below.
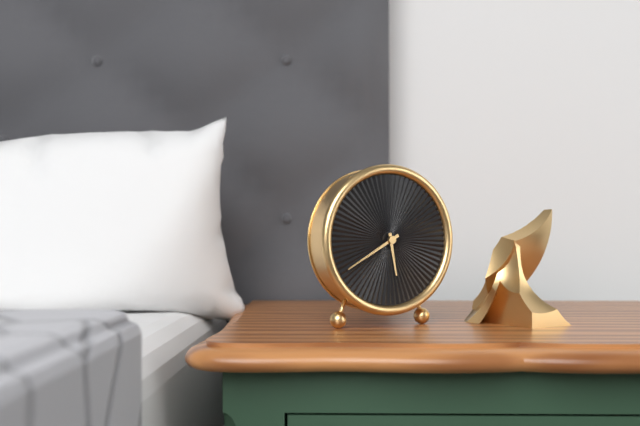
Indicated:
5:40
